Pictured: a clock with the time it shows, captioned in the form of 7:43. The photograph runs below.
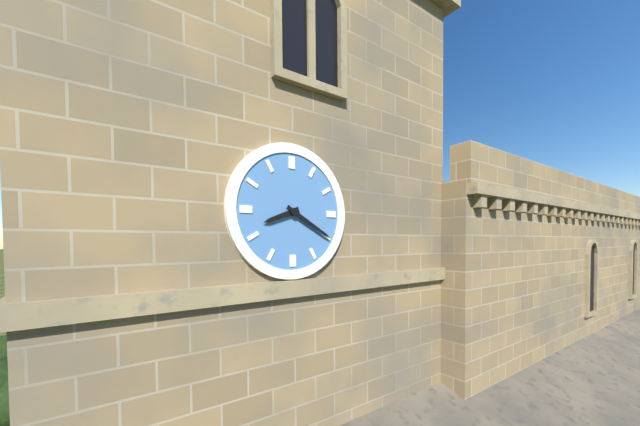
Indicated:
8:20
